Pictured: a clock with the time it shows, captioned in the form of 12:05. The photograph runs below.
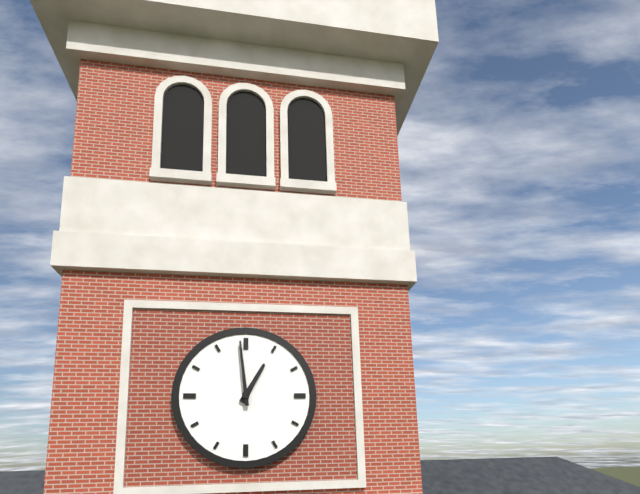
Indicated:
12:59
